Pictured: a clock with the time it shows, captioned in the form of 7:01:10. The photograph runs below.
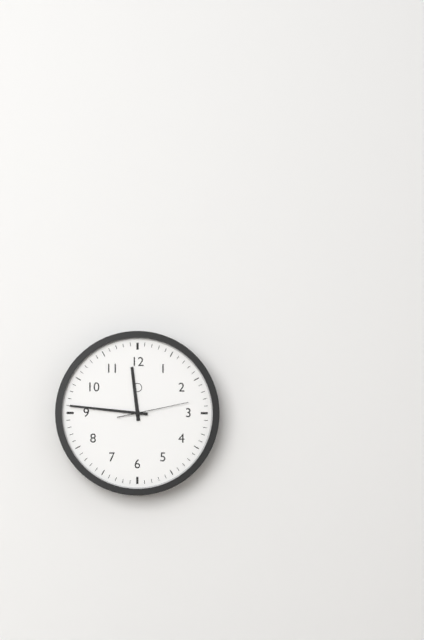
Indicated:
11:46:13
